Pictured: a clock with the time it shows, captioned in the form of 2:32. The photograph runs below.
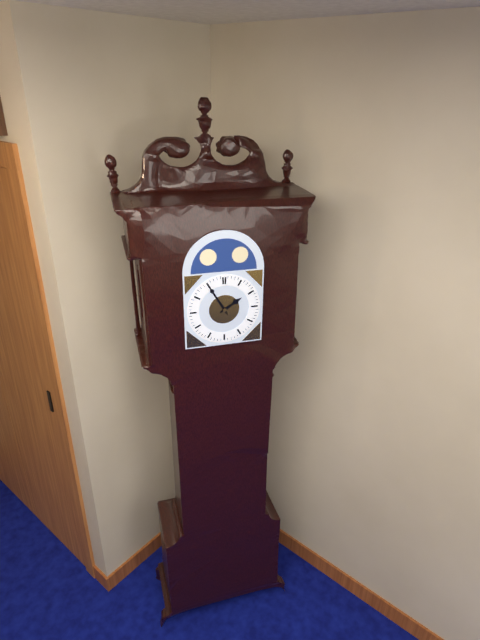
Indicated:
1:55
